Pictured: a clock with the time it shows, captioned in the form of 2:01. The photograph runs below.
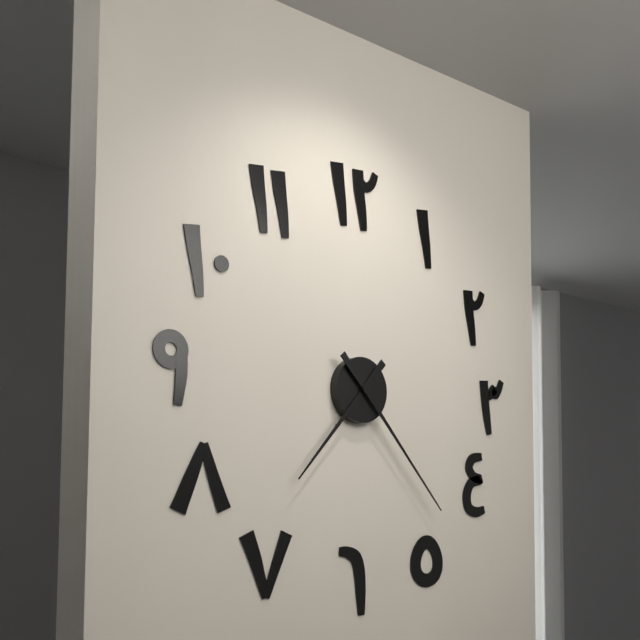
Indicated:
7:23
